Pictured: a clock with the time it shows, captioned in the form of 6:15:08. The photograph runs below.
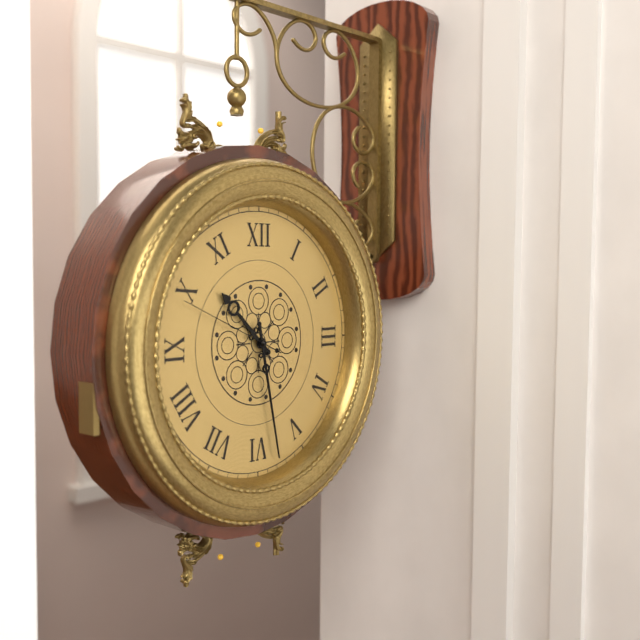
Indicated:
10:28:49
